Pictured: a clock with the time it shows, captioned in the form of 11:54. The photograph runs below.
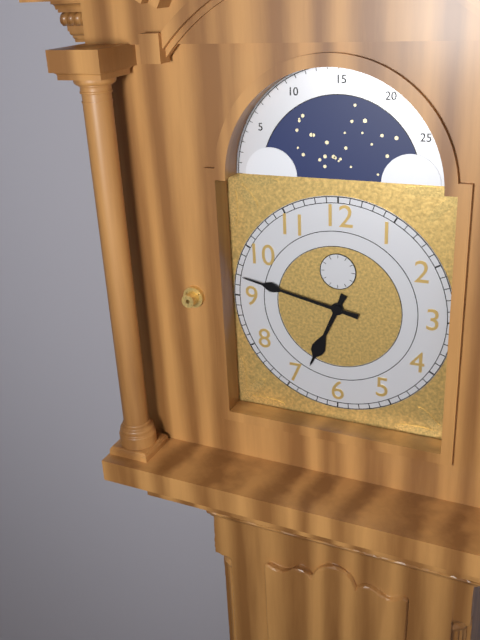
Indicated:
6:47
